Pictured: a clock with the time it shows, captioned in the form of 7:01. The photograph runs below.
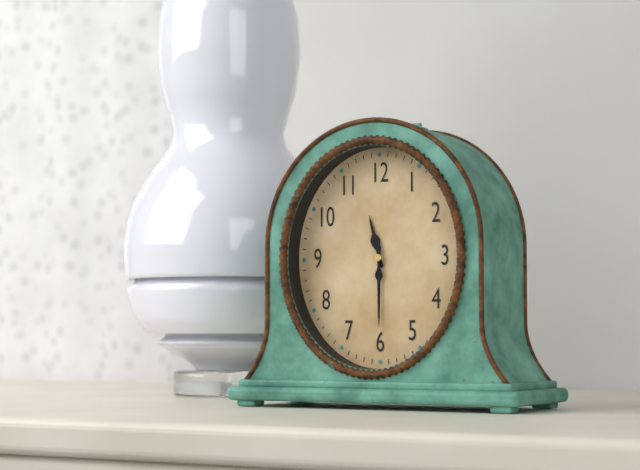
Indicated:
11:30
